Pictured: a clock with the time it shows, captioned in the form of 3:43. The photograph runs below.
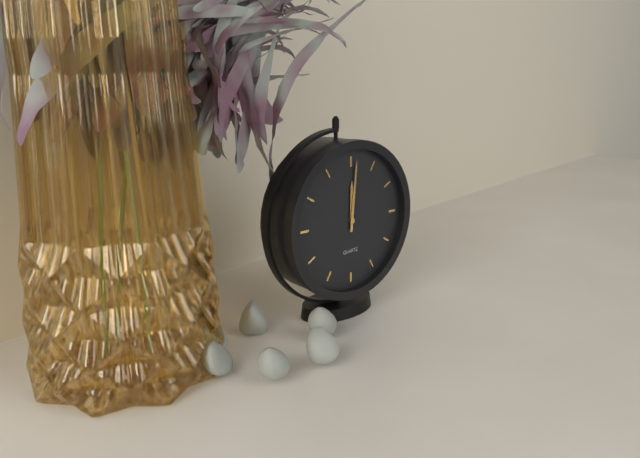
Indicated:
12:01
